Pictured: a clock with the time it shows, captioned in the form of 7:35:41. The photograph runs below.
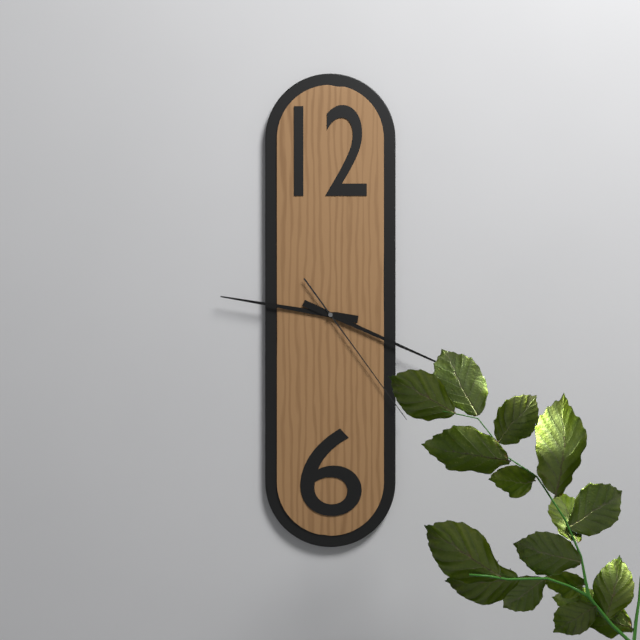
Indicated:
9:19:24
